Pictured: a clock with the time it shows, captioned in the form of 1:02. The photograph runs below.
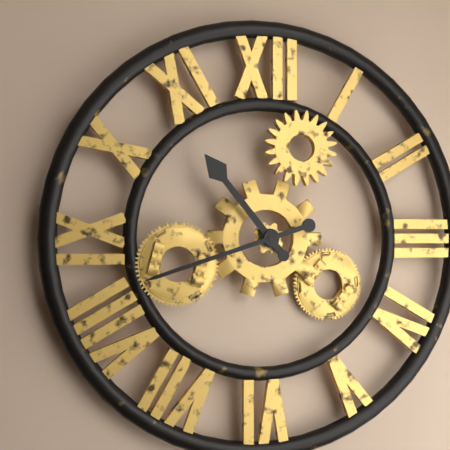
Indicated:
10:42
